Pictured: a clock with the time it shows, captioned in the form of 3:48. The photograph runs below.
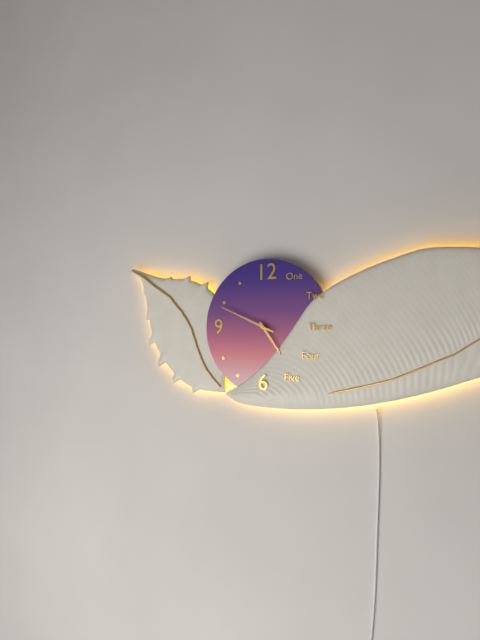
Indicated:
4:49
